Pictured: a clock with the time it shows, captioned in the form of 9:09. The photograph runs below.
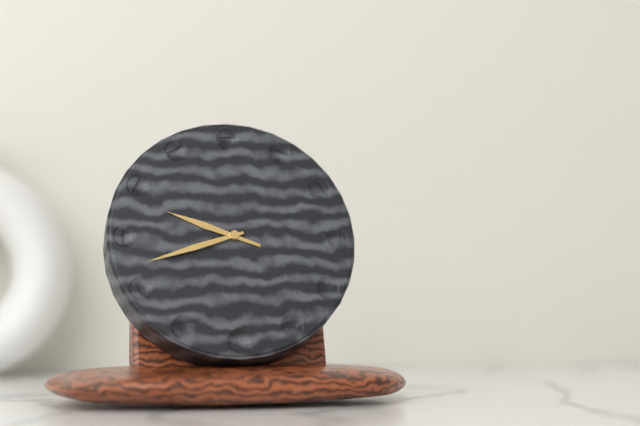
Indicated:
9:42
